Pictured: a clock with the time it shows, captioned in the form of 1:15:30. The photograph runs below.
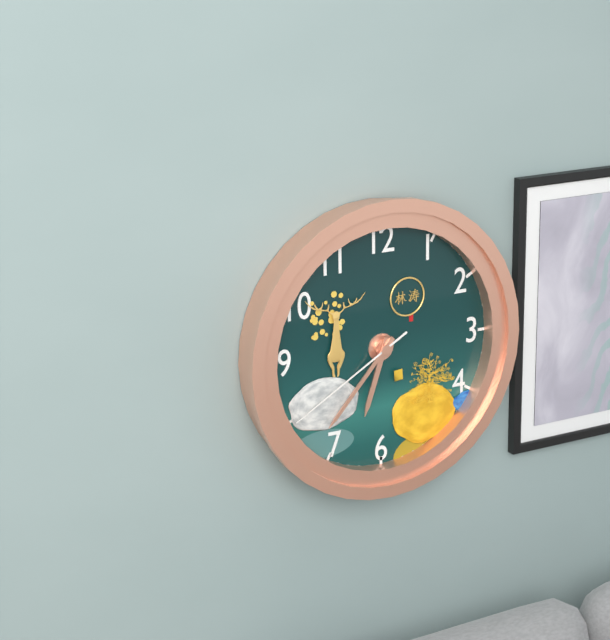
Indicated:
6:37:40
